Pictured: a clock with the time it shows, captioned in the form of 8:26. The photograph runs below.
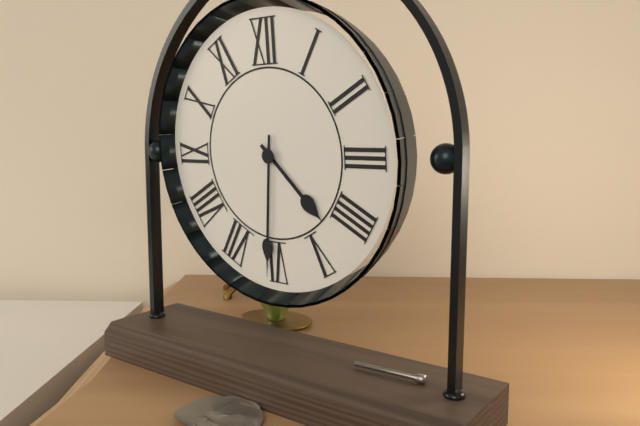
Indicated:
4:31
